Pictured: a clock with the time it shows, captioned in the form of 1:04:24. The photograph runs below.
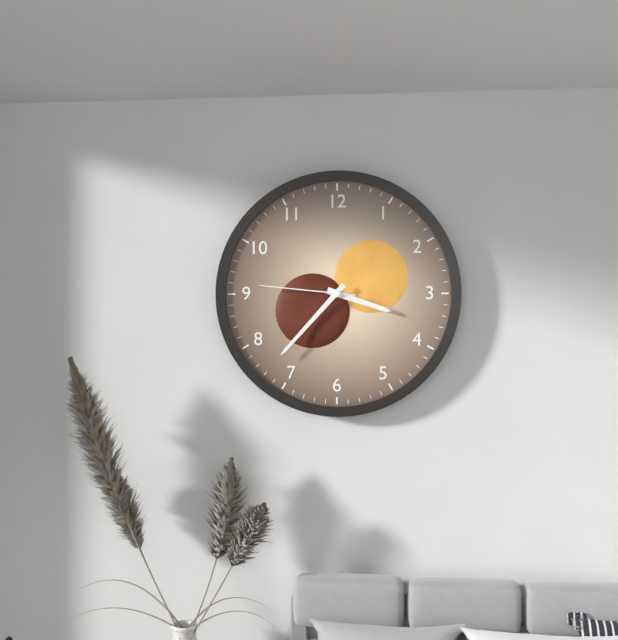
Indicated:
3:37:46
